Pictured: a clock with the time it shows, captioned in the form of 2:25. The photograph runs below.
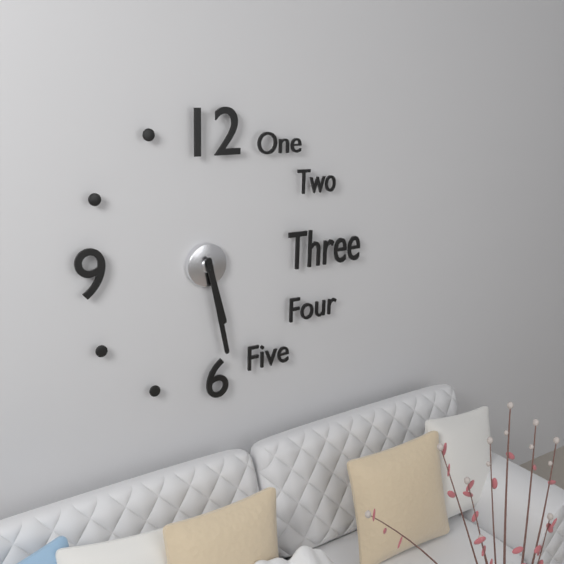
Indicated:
5:28
